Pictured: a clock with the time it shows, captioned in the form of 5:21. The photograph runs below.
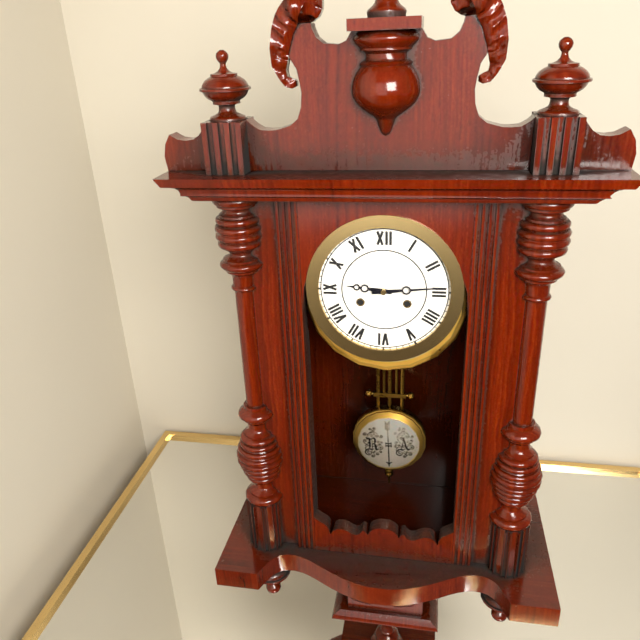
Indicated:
9:14
